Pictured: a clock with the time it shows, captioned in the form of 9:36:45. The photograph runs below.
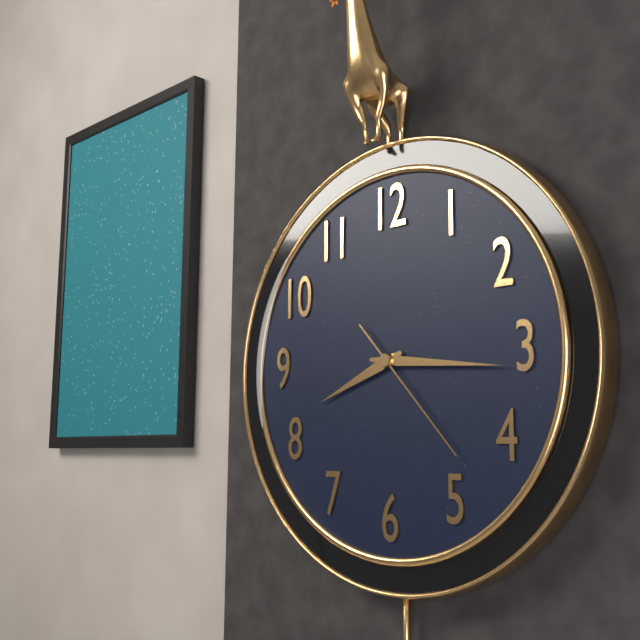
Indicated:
8:16:23
